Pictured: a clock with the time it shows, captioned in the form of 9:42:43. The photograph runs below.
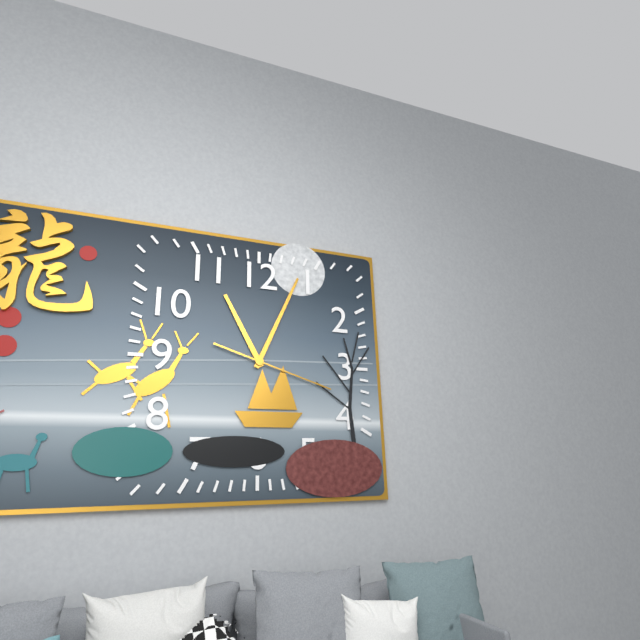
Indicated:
11:04:18
